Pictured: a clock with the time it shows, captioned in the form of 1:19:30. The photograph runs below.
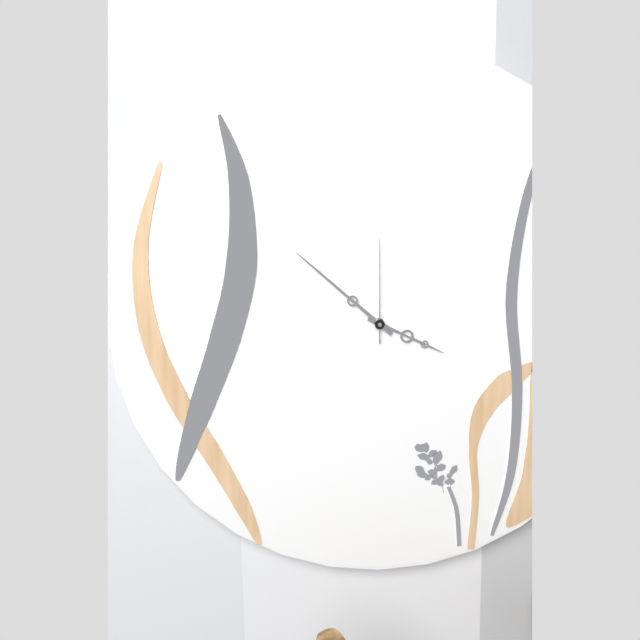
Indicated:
3:52:00
